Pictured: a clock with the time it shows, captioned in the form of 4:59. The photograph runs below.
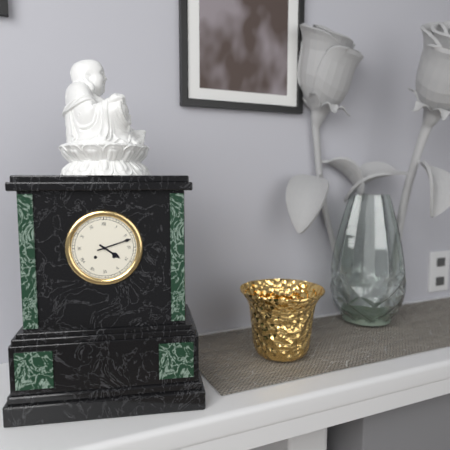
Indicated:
4:12
